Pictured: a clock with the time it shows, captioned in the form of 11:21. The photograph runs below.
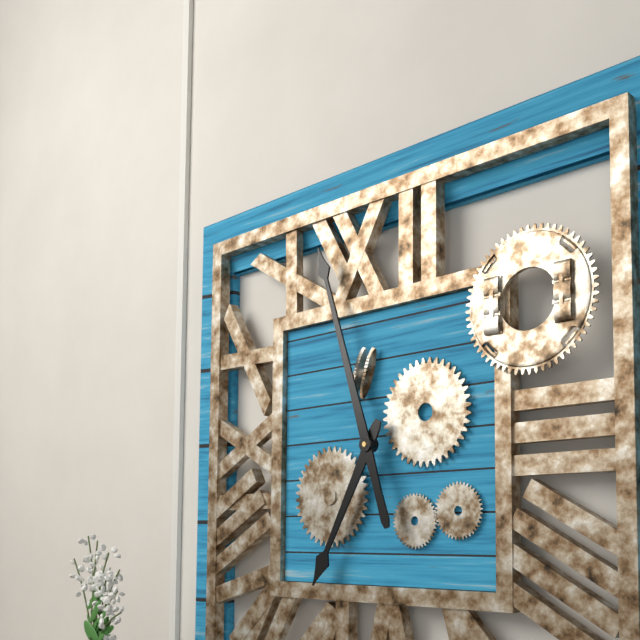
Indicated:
6:57
